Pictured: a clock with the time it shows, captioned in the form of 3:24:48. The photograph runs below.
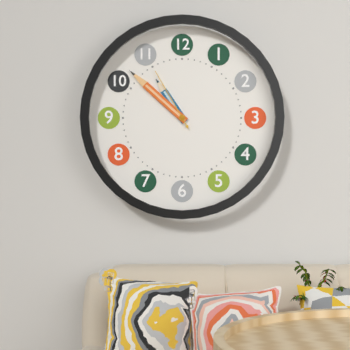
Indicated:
10:52:55
